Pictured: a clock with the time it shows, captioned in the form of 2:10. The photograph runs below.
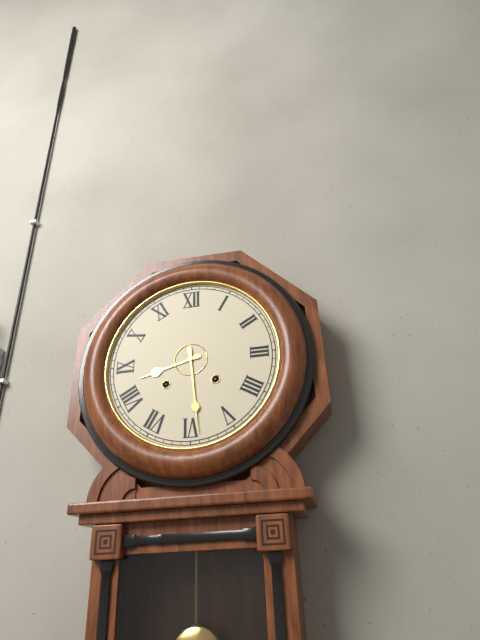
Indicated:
8:29
